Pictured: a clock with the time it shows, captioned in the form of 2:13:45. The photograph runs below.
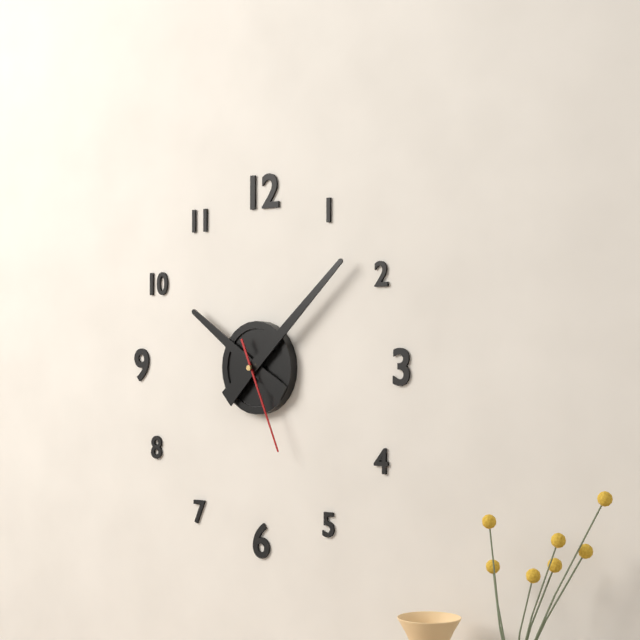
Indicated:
10:08:26
